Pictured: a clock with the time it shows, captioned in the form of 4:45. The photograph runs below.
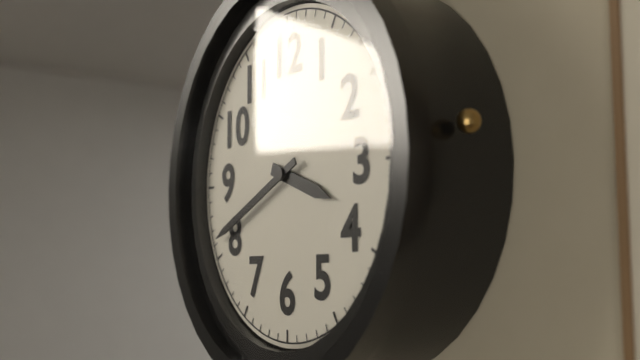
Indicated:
3:41
